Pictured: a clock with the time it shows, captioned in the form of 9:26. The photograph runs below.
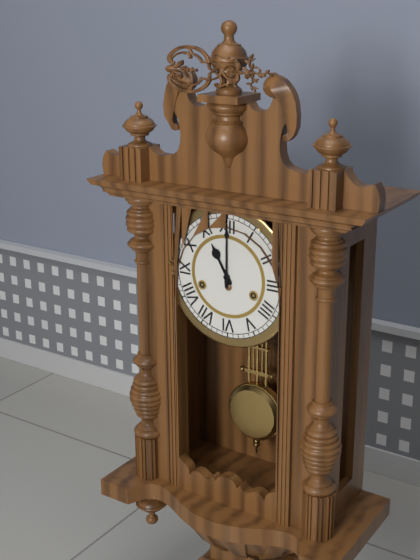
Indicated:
11:00
